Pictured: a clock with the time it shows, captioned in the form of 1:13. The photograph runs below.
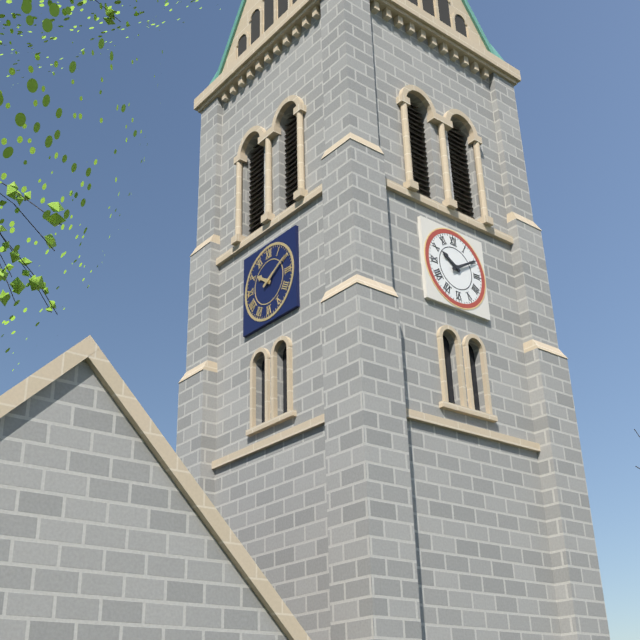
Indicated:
10:10
